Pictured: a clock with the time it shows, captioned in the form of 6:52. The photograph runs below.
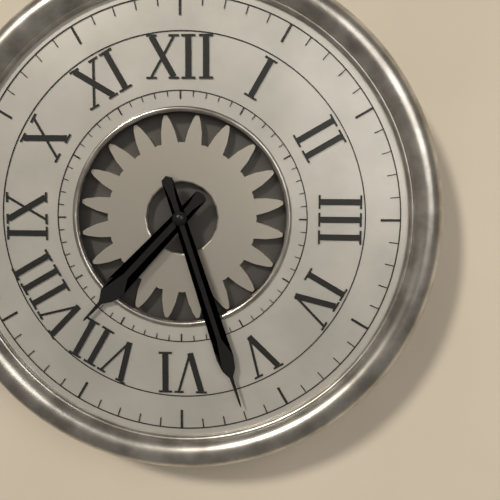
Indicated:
7:27
